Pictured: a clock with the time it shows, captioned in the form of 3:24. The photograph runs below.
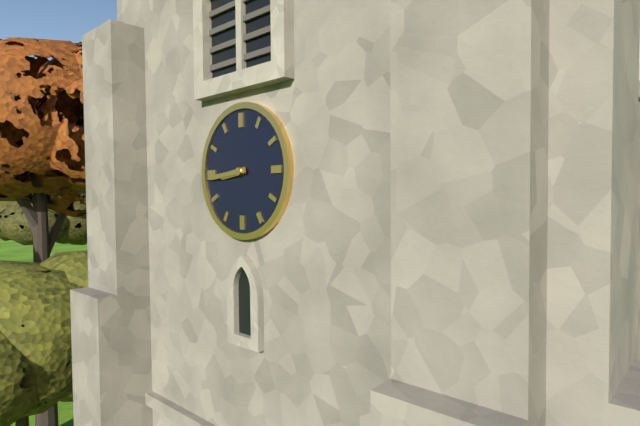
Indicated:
8:44
